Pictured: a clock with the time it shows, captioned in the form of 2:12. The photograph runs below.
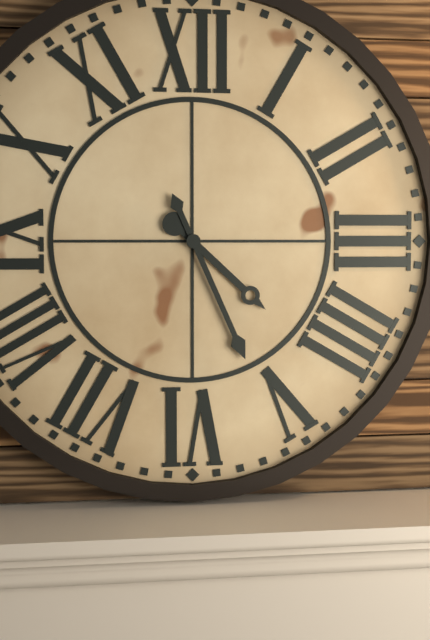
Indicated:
4:26
